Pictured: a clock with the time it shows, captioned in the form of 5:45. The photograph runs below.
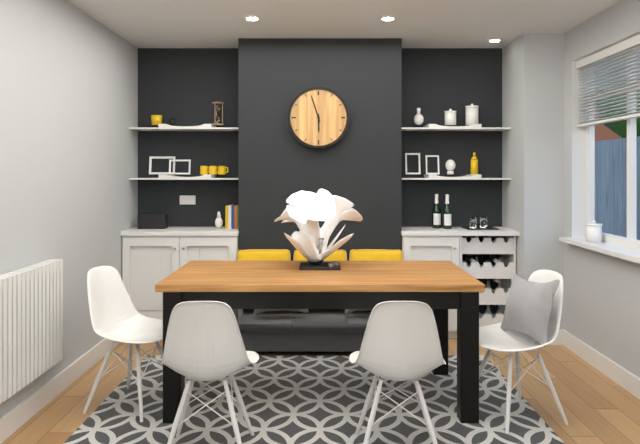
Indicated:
5:57
